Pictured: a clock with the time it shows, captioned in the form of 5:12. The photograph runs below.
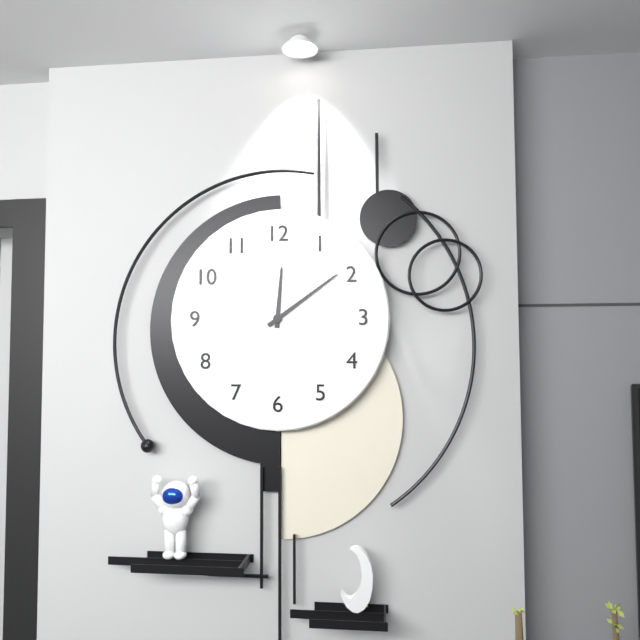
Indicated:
12:09
